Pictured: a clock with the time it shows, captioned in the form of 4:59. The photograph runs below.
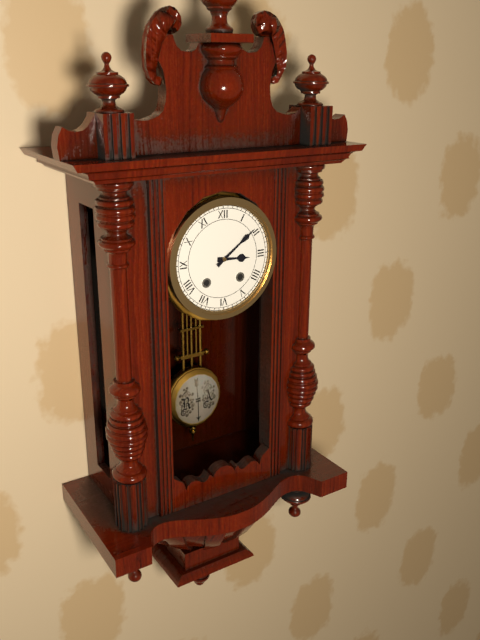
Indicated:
3:09
